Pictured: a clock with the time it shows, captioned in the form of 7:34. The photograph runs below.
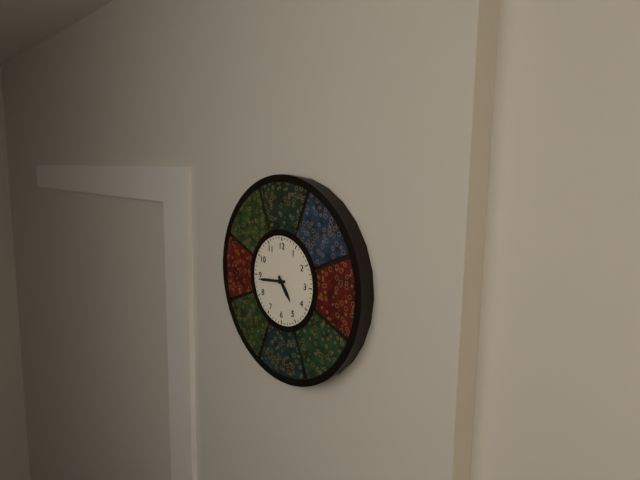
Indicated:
4:44
